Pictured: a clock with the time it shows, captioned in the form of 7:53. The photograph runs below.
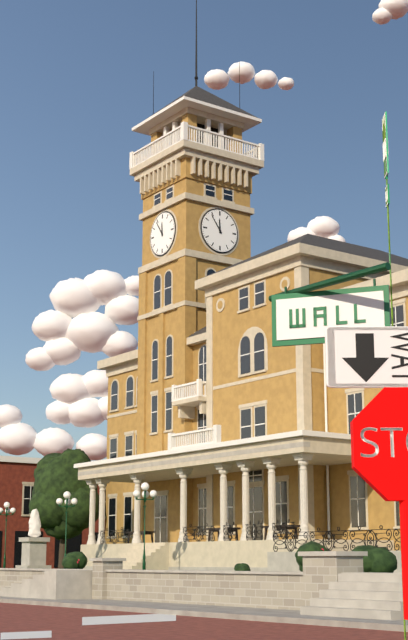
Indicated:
11:54
